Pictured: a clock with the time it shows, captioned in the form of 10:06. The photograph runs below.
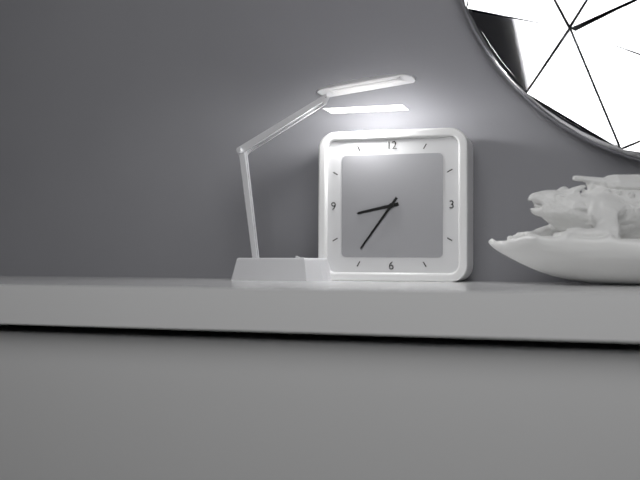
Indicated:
8:36
